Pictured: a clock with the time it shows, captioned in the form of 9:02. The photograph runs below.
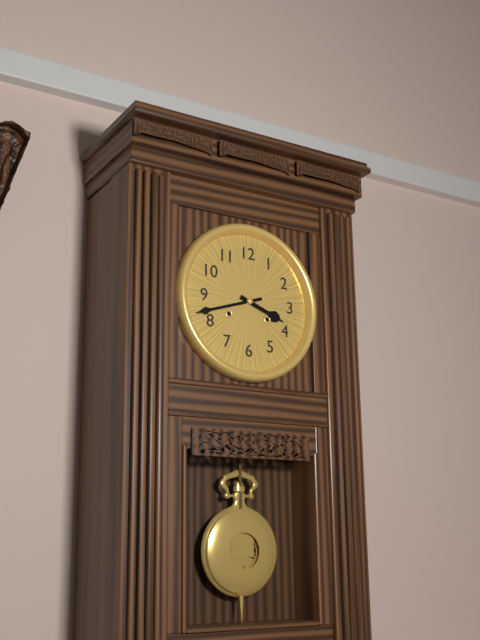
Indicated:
3:42
